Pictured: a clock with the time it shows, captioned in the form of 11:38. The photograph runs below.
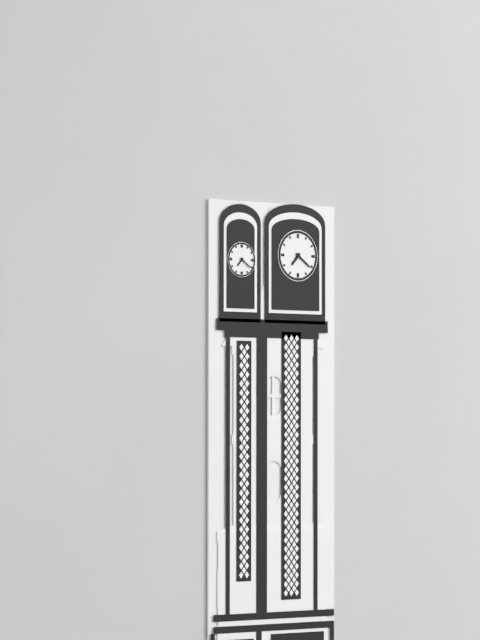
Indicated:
7:21
